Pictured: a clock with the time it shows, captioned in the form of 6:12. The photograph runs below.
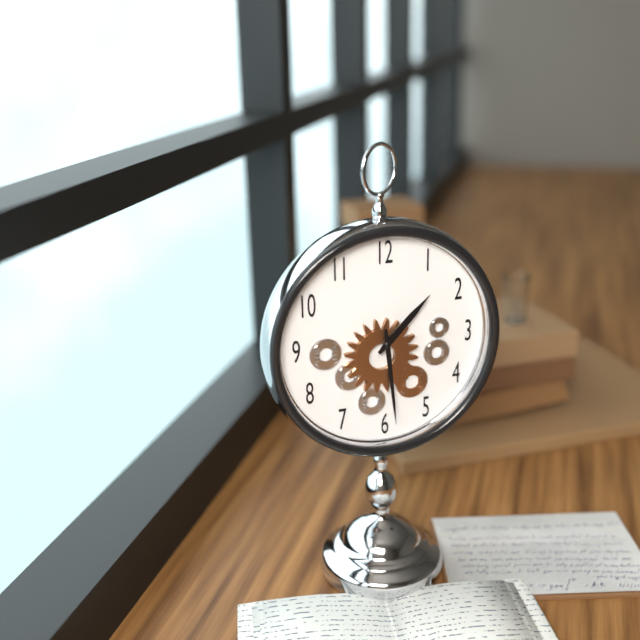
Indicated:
1:29
